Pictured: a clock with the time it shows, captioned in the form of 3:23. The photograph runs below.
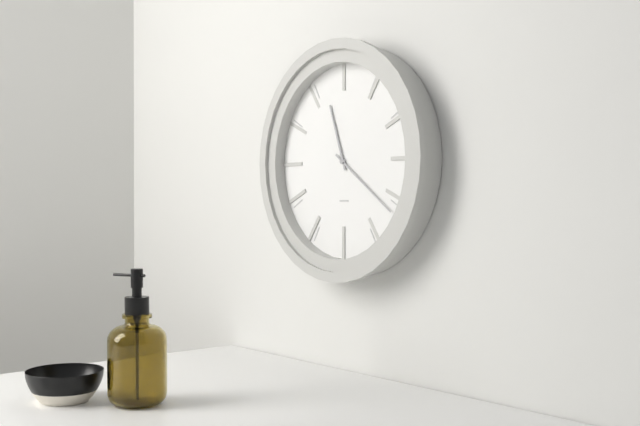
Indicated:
11:21
